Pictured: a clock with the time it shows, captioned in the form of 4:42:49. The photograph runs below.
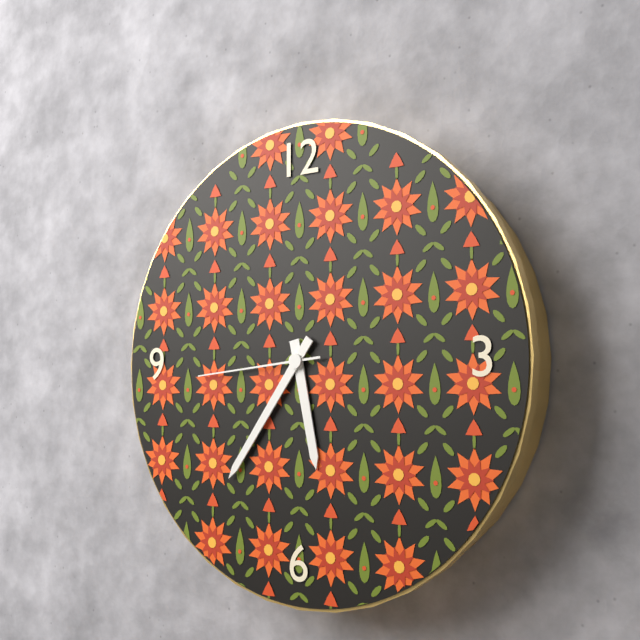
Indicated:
5:36:44
